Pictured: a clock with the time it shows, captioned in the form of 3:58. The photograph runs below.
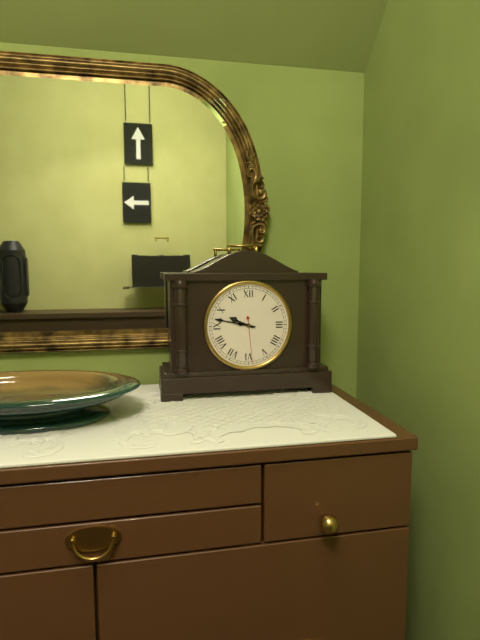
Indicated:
9:47
